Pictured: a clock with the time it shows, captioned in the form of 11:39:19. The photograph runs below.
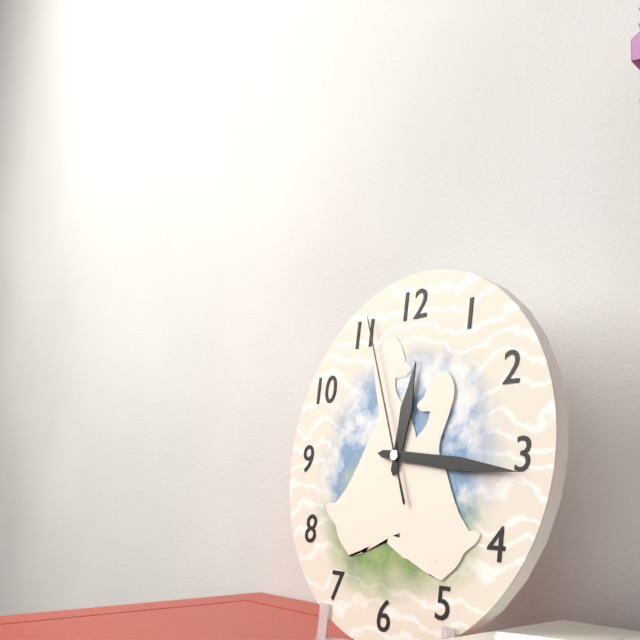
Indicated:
12:16:56
